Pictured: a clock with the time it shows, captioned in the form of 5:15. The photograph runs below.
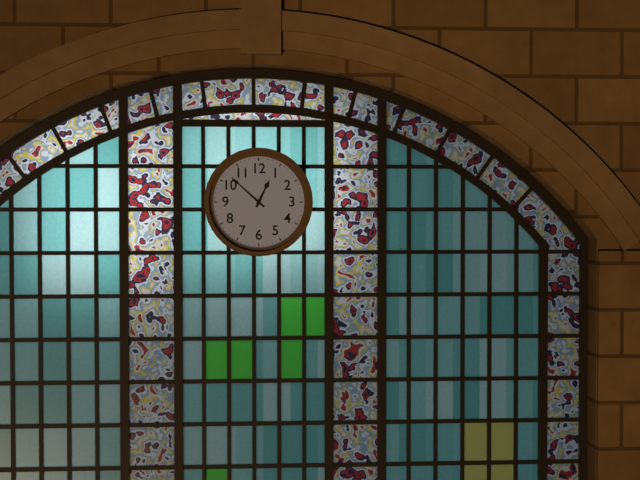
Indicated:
12:52
